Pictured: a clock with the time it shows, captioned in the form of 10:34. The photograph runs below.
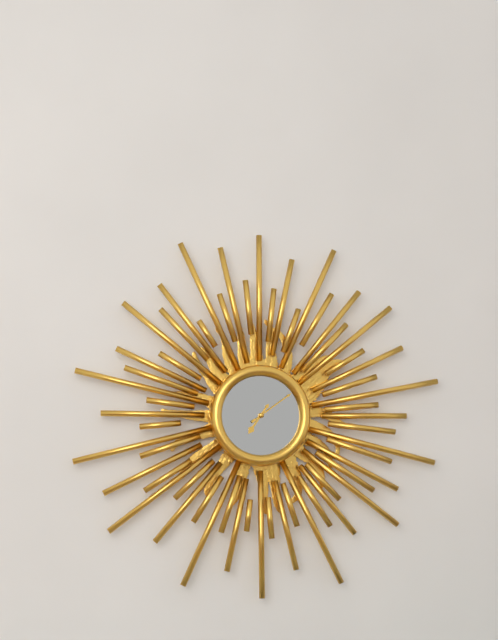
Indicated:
7:09
